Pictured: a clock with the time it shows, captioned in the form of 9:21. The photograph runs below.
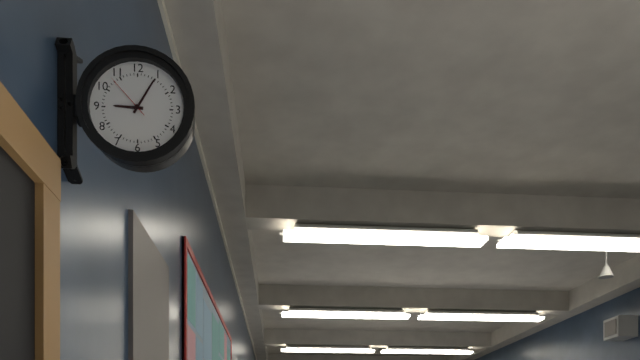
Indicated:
9:05
